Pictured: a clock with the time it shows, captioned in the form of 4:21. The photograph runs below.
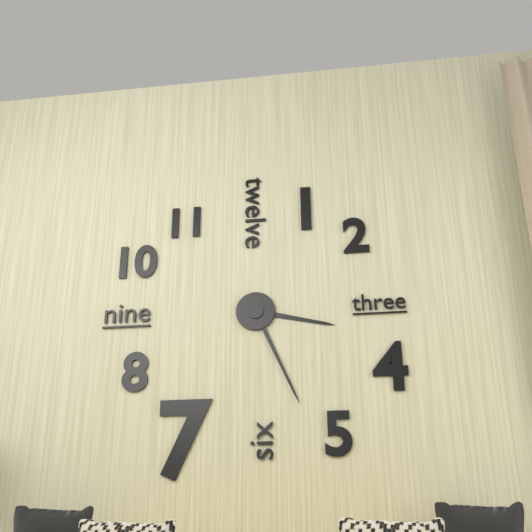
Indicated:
3:26
